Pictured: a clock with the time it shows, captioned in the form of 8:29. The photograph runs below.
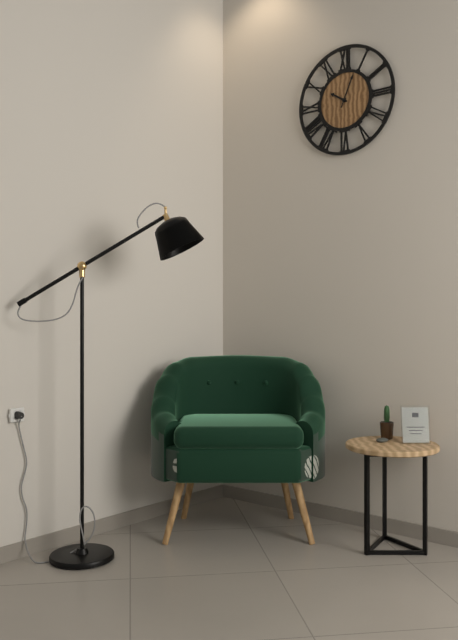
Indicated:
10:04
